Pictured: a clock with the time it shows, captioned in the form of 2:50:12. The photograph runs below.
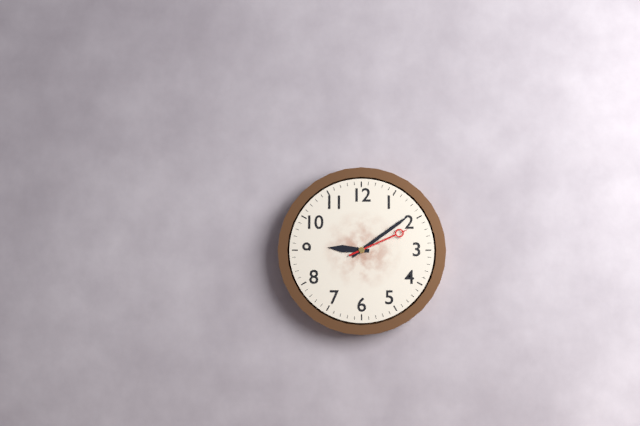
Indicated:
9:09:11
